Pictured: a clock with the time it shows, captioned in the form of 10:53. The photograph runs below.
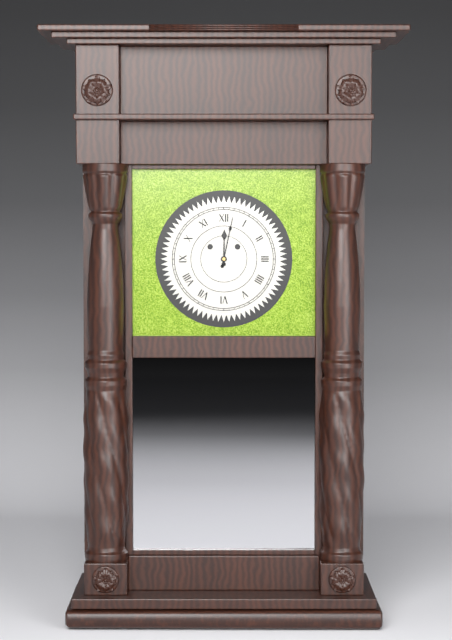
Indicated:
12:02
